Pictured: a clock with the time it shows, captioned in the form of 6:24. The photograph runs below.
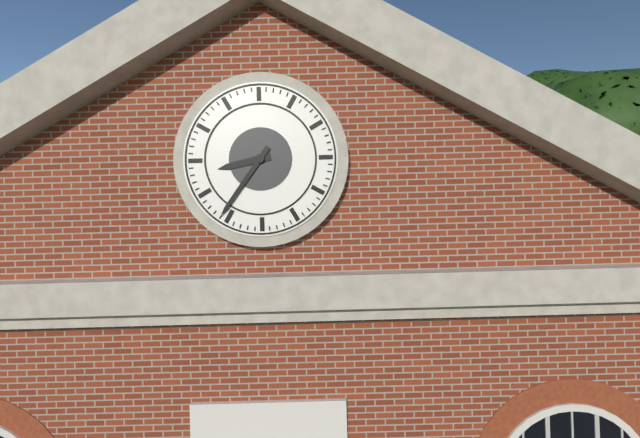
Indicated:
8:36
